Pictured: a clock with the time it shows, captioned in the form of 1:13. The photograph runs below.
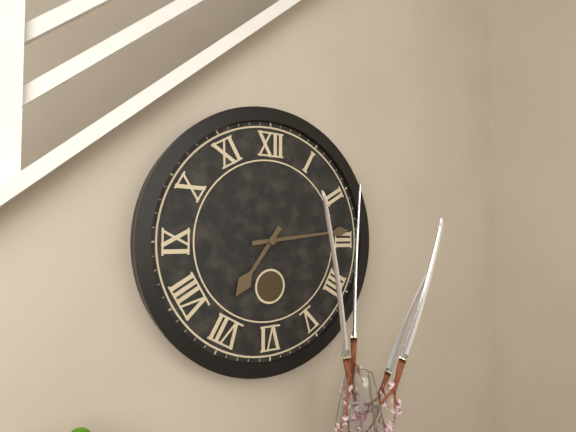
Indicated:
7:14
